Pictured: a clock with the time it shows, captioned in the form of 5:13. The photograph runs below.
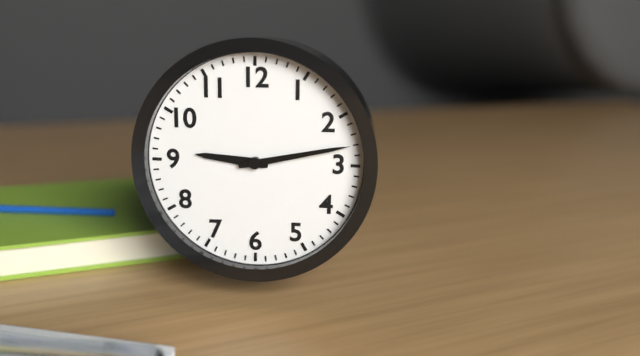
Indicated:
9:13
